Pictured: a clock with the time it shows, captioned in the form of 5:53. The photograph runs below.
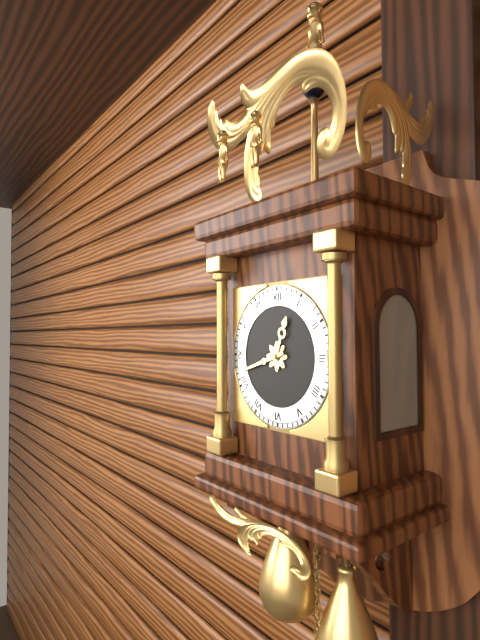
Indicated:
12:42
